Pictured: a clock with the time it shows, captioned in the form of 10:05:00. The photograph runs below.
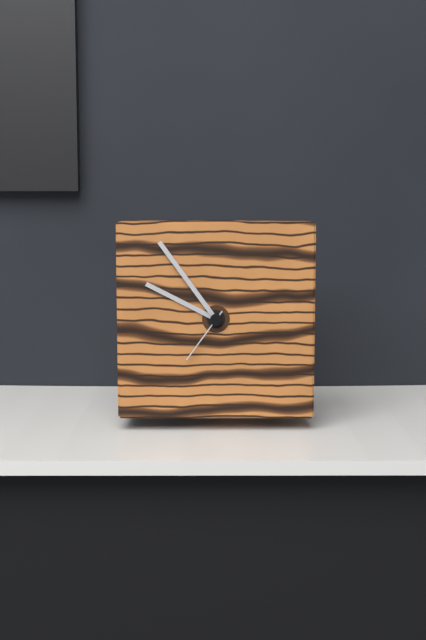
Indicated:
9:54:36
